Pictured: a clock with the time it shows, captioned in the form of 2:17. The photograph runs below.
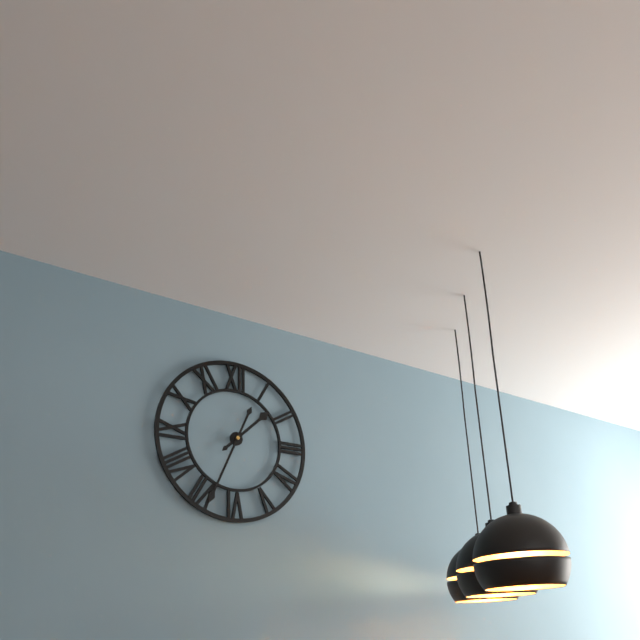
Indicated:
1:34
